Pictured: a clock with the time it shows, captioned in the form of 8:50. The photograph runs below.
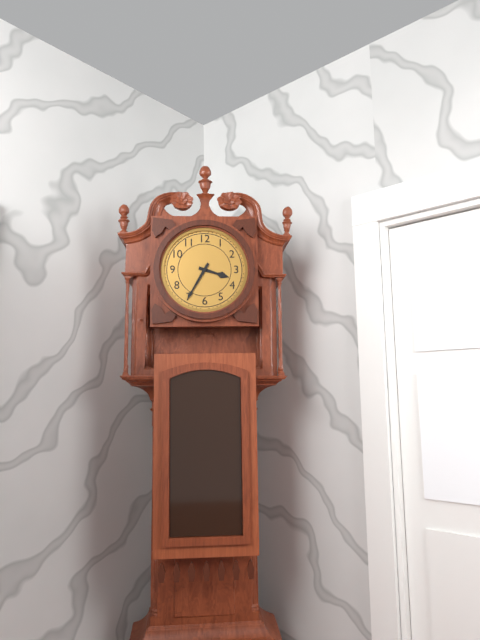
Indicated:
3:35
